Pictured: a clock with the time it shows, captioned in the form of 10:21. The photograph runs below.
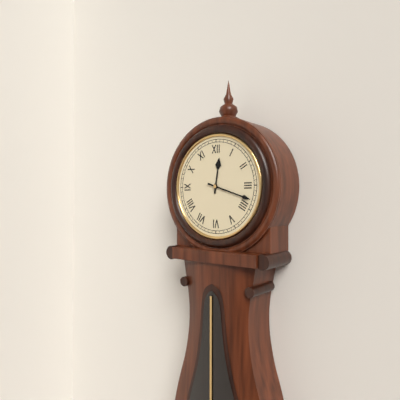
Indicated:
12:18
